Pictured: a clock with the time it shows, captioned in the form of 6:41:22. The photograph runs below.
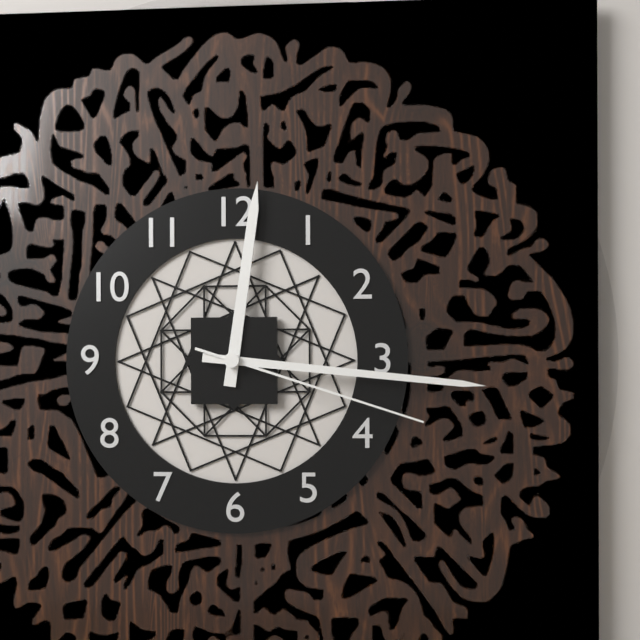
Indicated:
12:16:18
